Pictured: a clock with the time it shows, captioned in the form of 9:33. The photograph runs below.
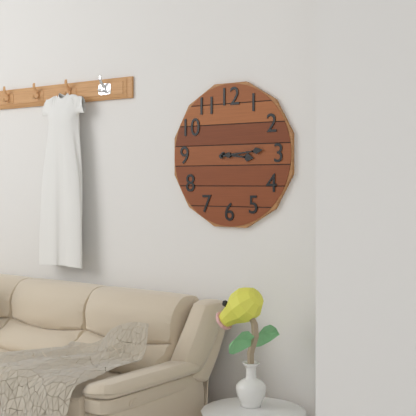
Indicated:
3:14
